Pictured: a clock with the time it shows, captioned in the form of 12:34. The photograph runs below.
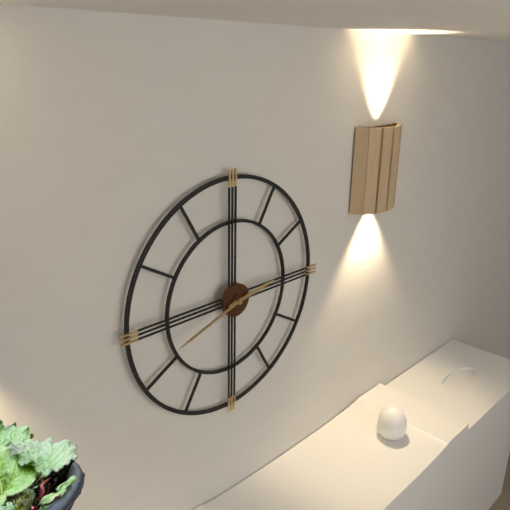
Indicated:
2:42
